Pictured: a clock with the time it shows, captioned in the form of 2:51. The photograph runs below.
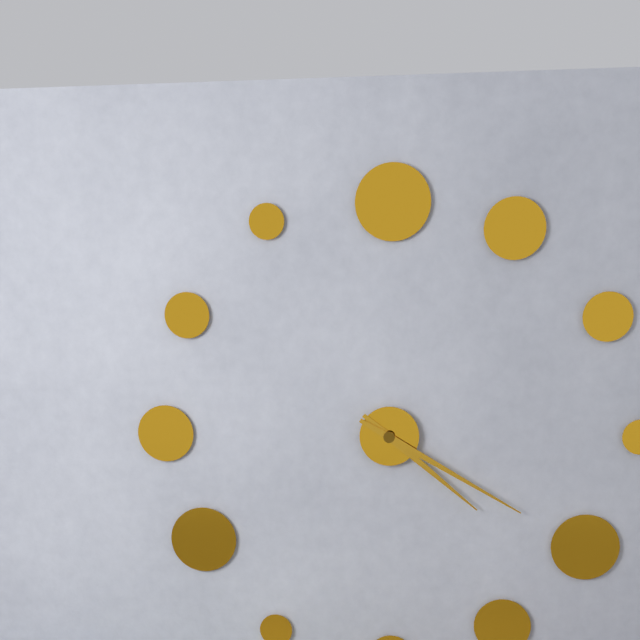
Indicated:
4:20
